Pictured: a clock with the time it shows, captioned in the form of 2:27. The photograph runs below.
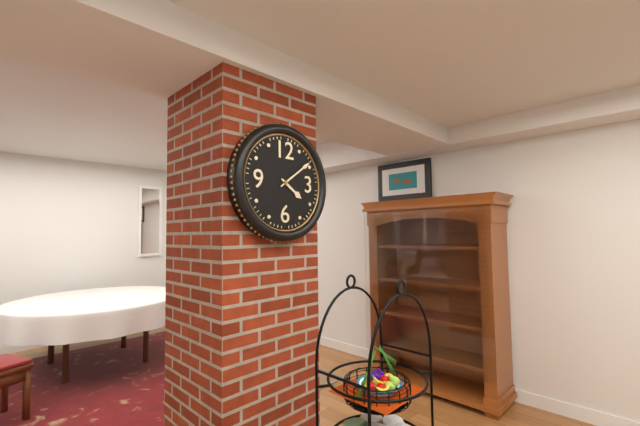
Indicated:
4:09
